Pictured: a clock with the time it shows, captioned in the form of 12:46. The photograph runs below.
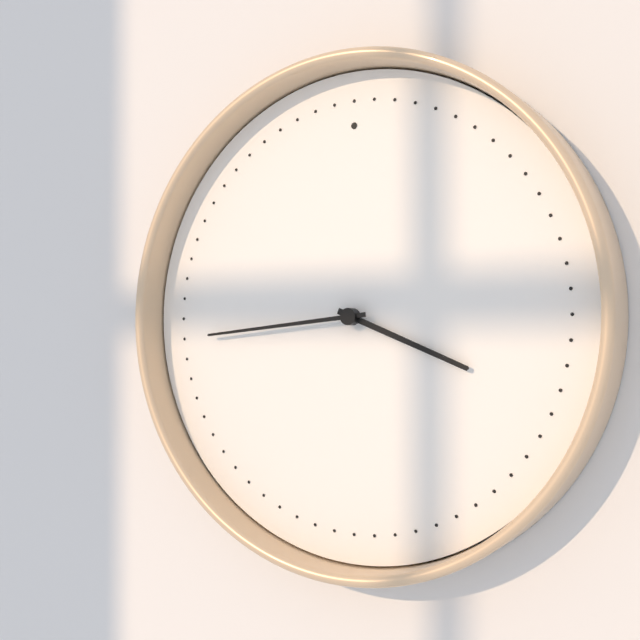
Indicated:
3:44
